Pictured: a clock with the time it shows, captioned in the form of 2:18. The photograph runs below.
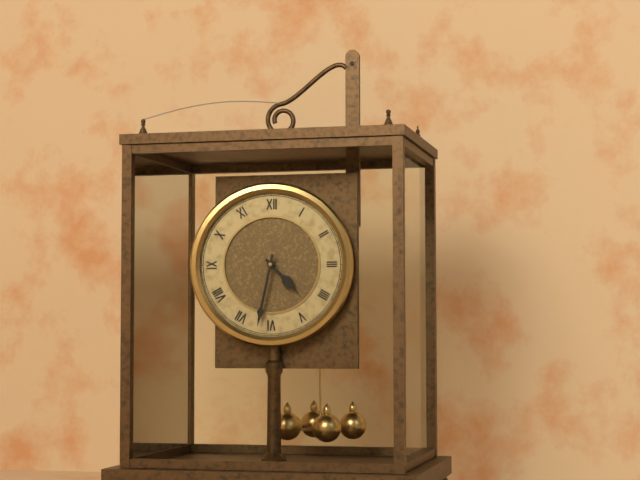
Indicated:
4:32
